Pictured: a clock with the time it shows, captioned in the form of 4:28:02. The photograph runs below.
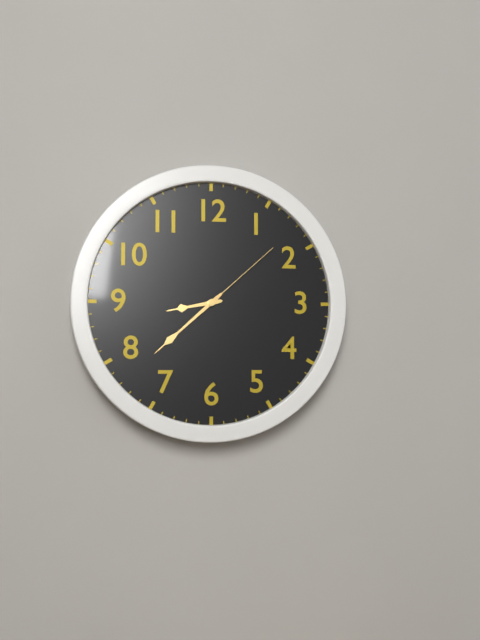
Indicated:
8:38:08
